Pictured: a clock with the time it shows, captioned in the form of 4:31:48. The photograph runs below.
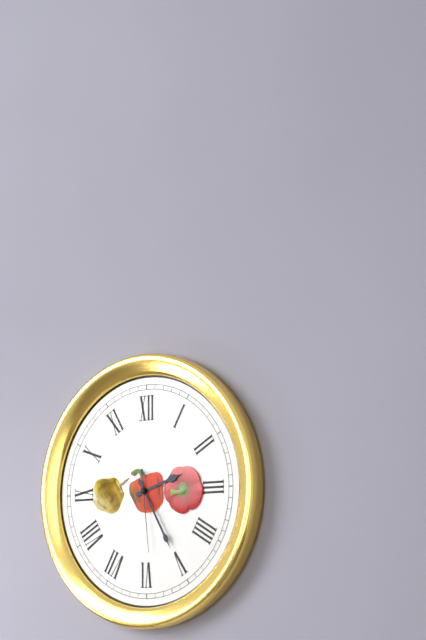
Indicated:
2:25:29
